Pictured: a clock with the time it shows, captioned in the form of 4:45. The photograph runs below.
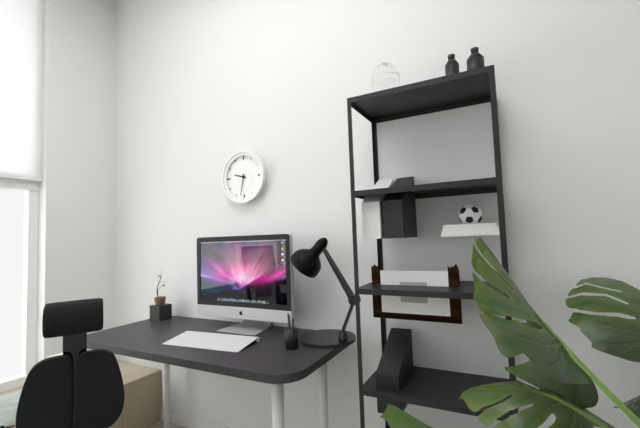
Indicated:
9:32
